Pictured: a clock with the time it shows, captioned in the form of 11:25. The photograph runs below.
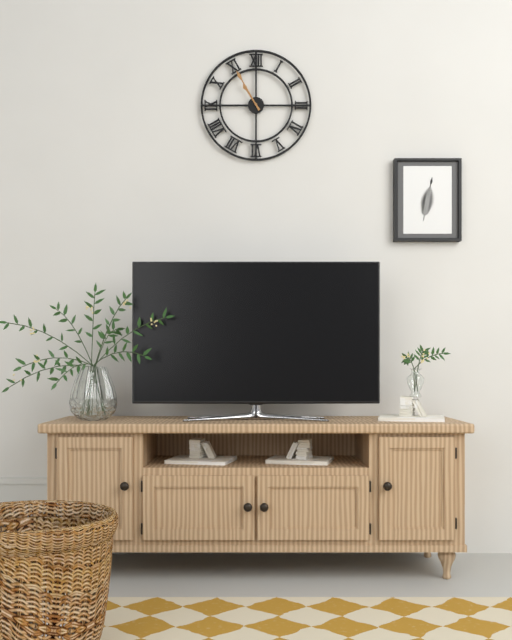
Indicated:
10:55
